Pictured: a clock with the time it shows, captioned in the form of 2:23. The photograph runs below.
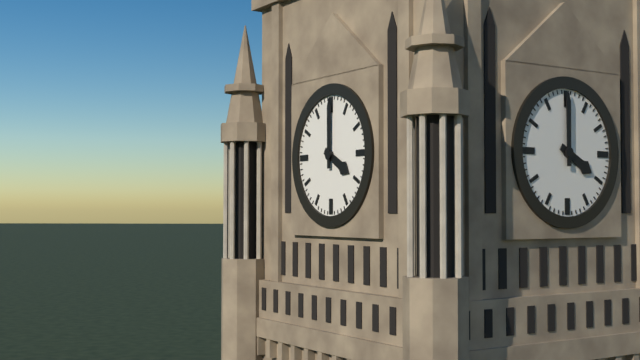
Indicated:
4:00
